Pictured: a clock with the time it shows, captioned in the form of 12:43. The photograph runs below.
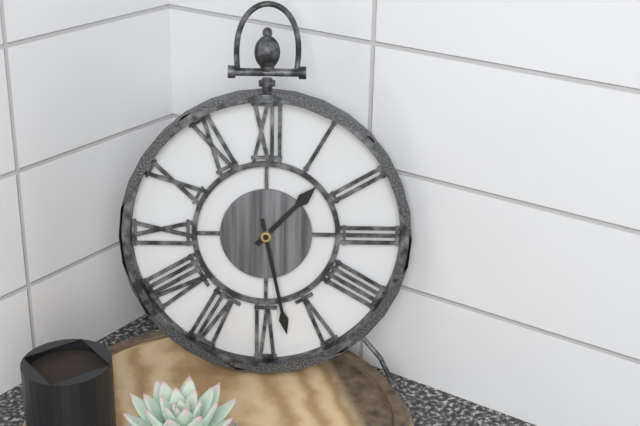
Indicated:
1:28
